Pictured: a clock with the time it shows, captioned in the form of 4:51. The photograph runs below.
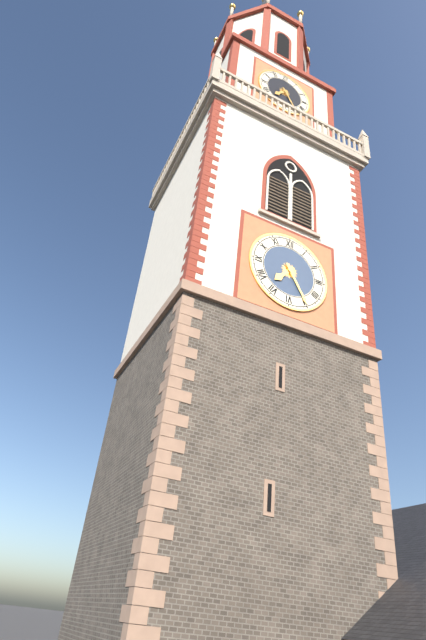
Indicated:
7:25
